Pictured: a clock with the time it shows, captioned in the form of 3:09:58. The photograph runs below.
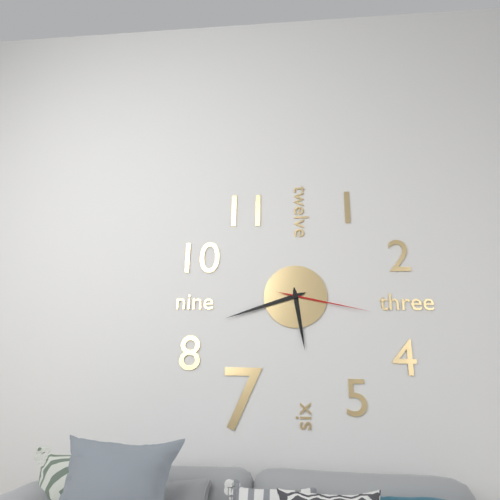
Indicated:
5:42:17
